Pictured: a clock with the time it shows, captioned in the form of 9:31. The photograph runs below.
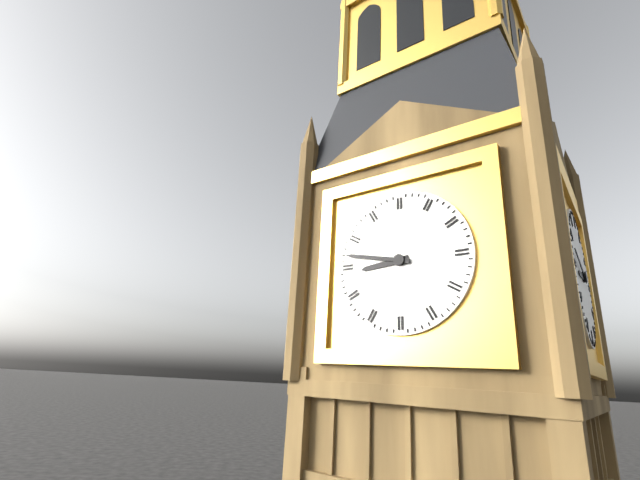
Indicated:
8:47
